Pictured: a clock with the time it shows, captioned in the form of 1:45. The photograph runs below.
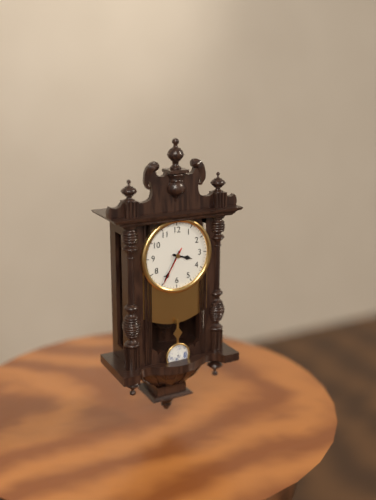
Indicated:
3:35
